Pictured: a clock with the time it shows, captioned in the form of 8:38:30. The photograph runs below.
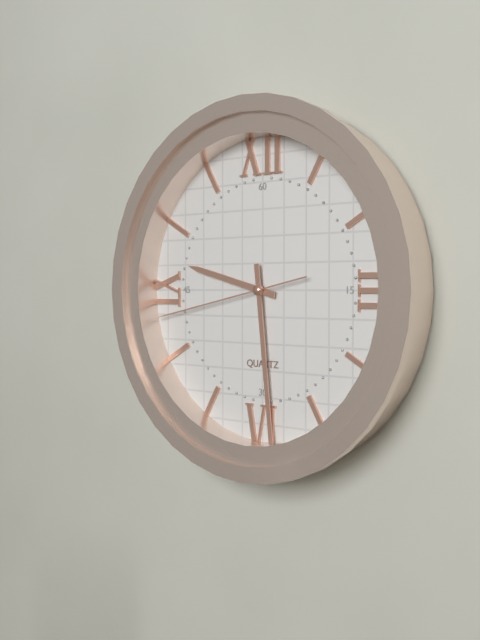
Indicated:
9:29:43
